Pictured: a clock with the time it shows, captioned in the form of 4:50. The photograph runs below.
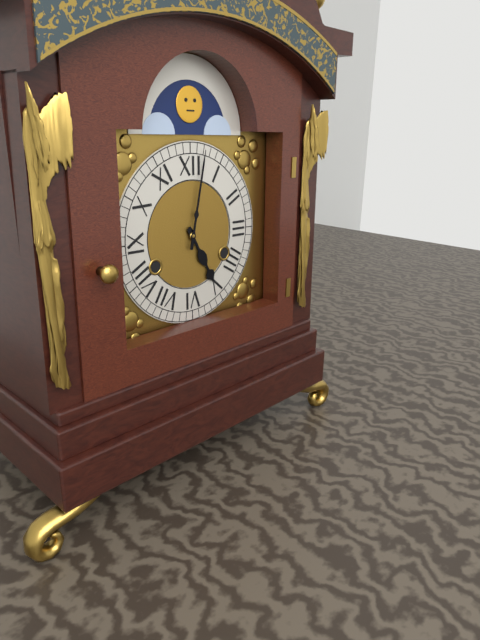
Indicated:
5:02
